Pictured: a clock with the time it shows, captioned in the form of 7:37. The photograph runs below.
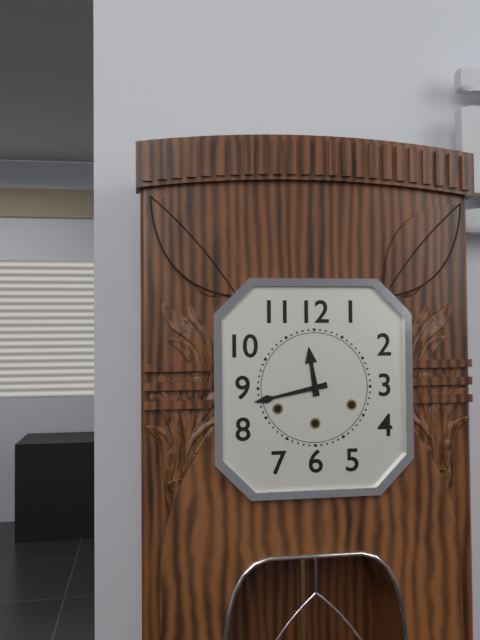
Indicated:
11:43
